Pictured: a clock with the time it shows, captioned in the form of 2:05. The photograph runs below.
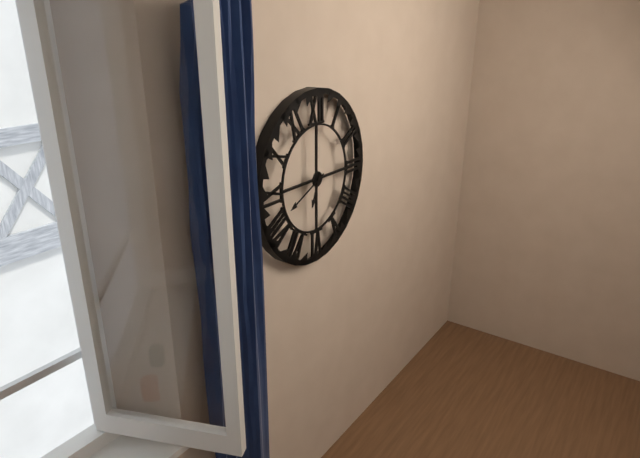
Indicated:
6:41
